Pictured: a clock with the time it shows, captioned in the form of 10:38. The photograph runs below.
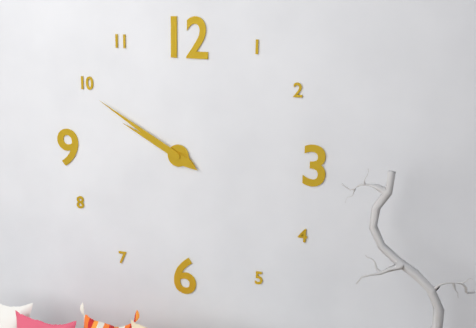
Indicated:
9:50
